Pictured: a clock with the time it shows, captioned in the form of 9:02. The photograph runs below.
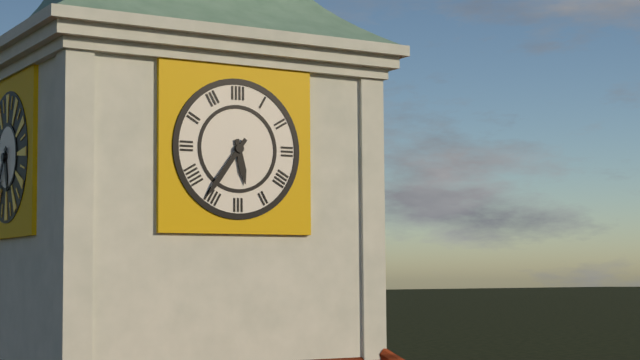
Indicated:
5:36
